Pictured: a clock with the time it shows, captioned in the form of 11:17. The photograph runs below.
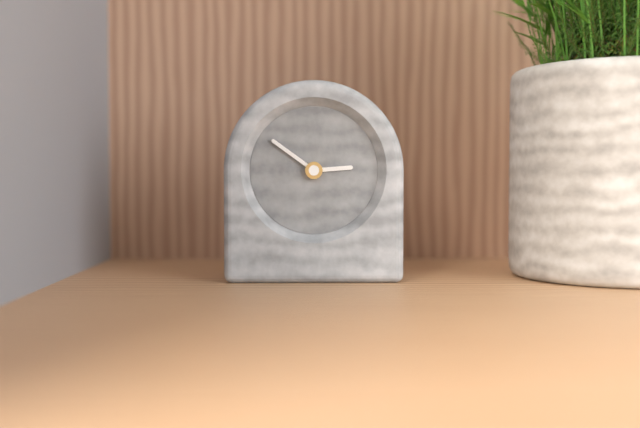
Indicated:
2:51
